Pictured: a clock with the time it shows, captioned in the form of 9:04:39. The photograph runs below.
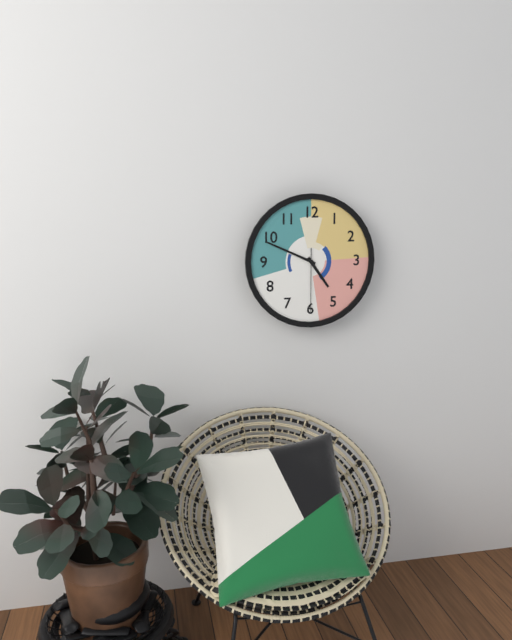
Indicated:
4:49:30
